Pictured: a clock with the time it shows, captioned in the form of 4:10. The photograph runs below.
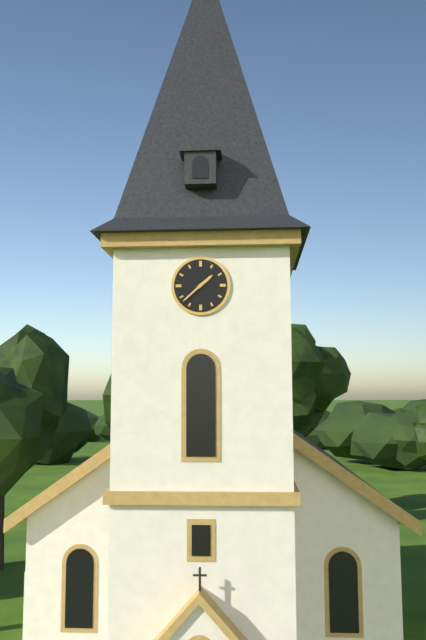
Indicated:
1:38
